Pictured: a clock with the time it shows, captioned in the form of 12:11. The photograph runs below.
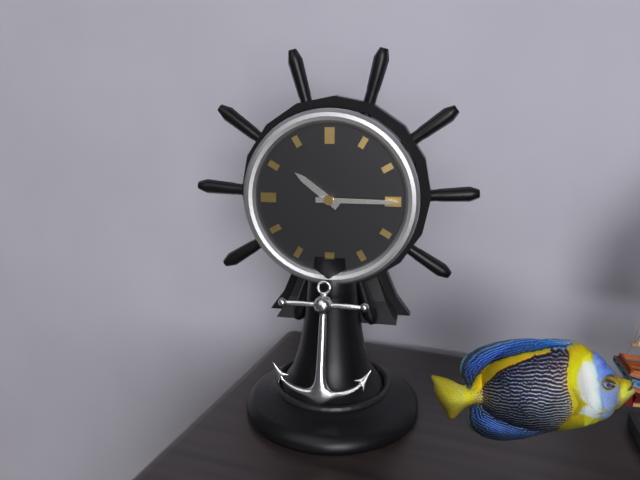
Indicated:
10:15
